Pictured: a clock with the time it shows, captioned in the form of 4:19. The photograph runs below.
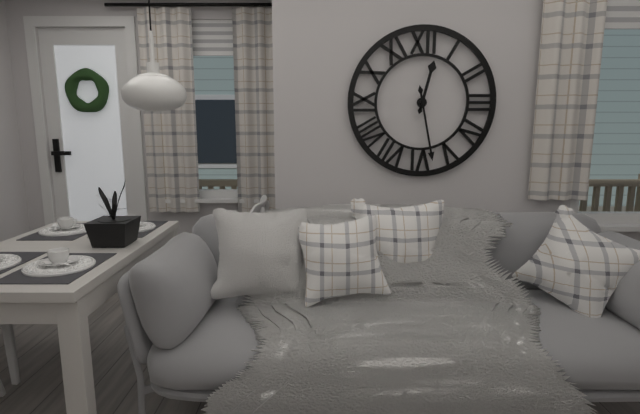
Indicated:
12:28
